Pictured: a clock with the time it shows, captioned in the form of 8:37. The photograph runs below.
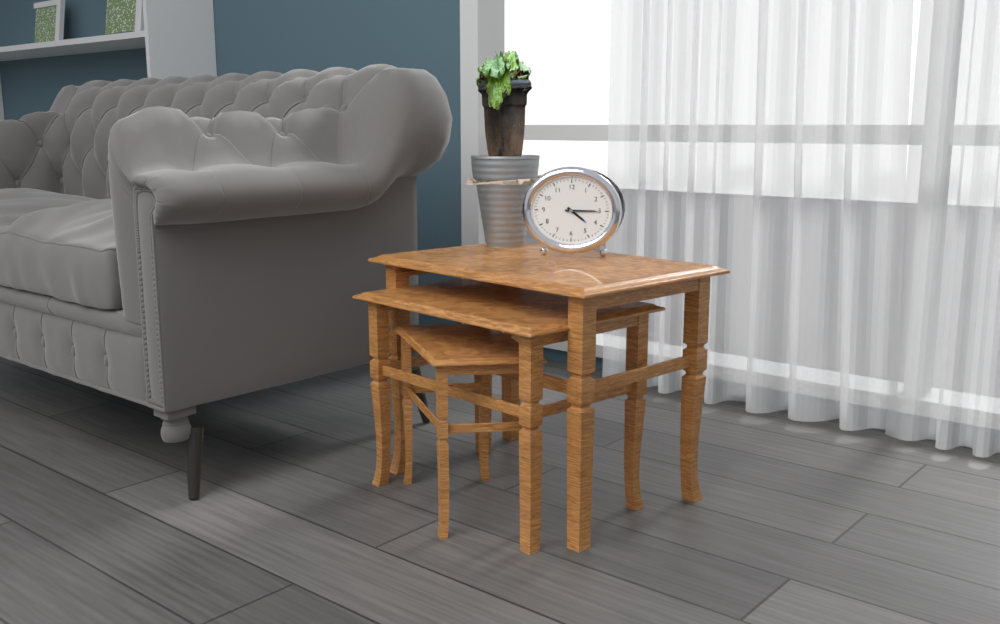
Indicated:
4:15
